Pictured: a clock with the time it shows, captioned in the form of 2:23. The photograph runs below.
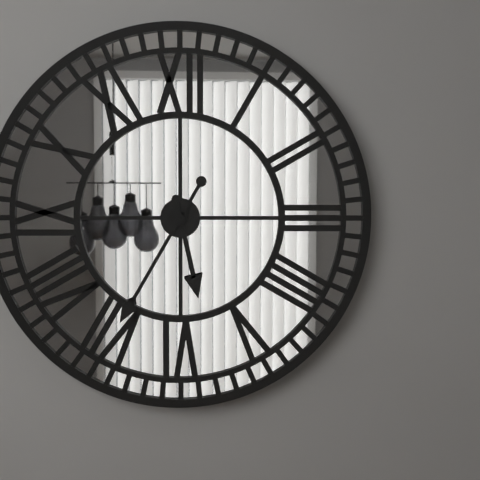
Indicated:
5:35
